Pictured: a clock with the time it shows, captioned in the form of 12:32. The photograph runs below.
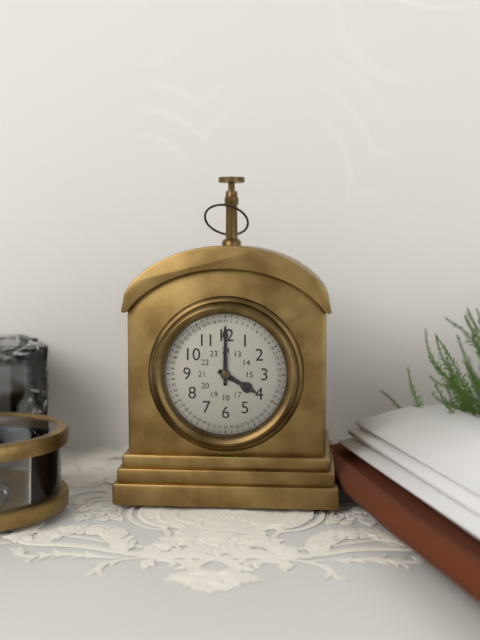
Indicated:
4:00
